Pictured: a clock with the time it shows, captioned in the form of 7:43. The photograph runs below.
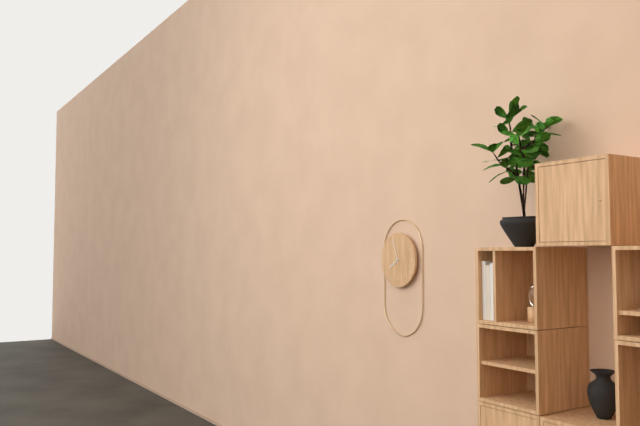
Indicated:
7:57
